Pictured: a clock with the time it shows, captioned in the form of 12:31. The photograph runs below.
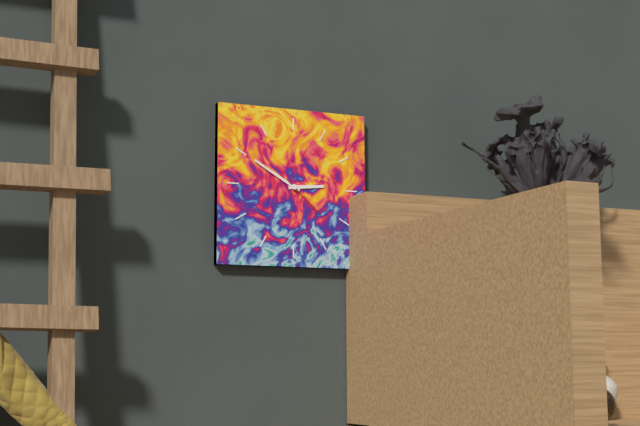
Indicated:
2:50
